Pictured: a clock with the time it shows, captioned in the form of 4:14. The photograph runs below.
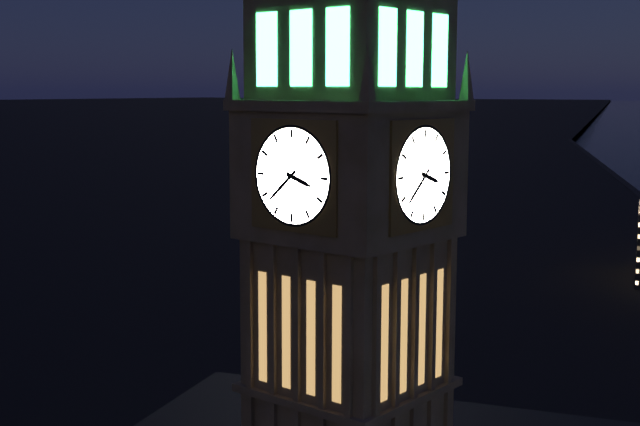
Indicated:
3:38
